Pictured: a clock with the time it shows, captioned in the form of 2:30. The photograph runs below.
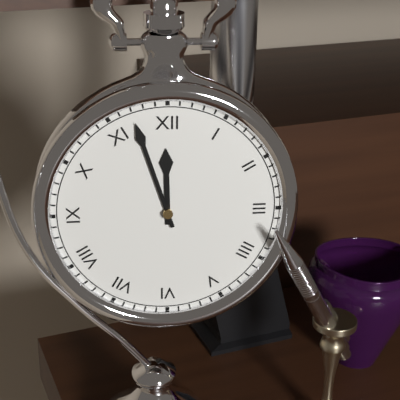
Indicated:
11:57
